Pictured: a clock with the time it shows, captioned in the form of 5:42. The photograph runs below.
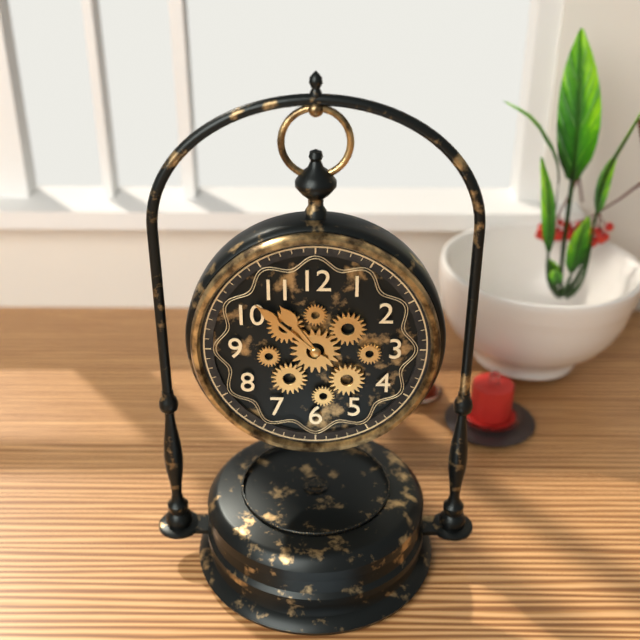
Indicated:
10:52
